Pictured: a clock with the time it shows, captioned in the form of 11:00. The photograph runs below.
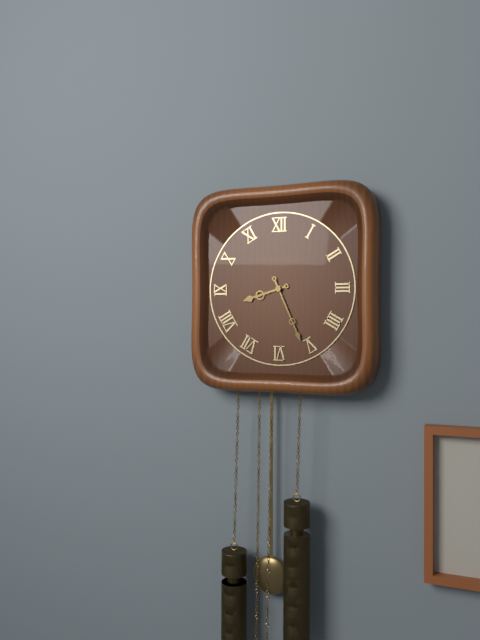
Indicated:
8:26
